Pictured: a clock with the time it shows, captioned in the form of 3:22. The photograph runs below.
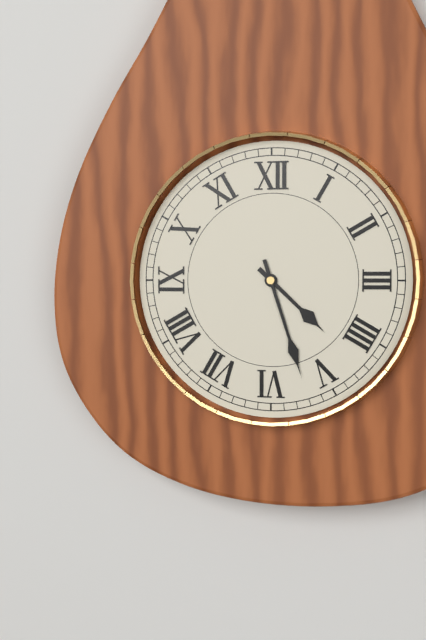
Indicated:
4:27
